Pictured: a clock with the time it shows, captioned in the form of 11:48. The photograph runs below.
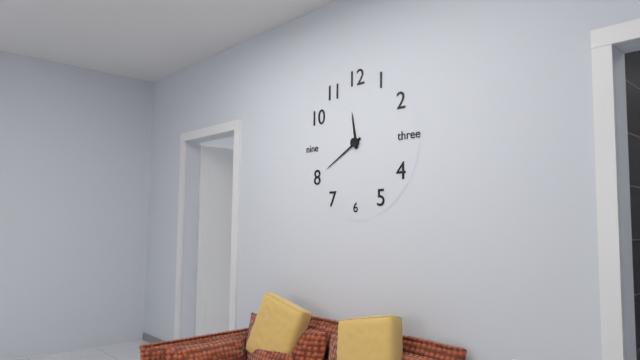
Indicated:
11:40
